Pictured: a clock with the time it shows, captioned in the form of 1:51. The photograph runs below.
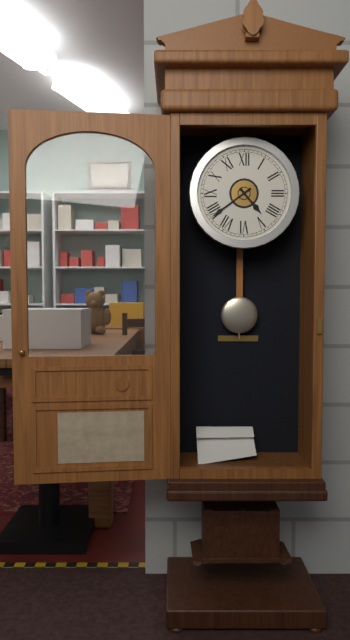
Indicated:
4:39
